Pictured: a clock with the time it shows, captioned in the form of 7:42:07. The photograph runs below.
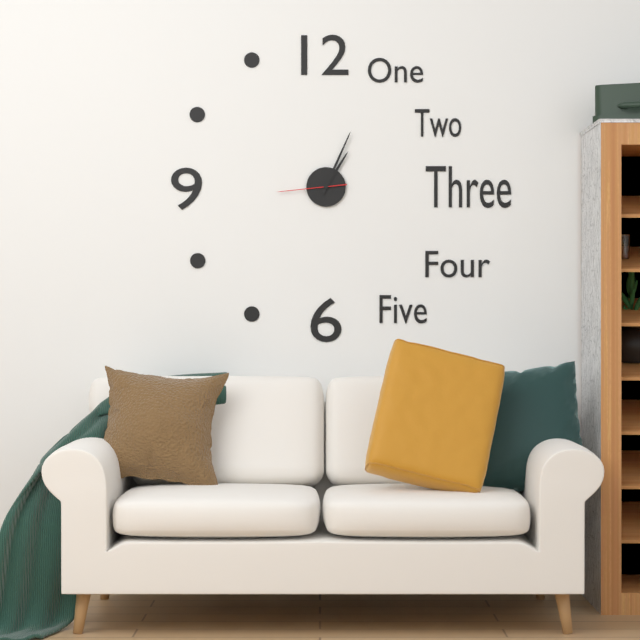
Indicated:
1:04:44
